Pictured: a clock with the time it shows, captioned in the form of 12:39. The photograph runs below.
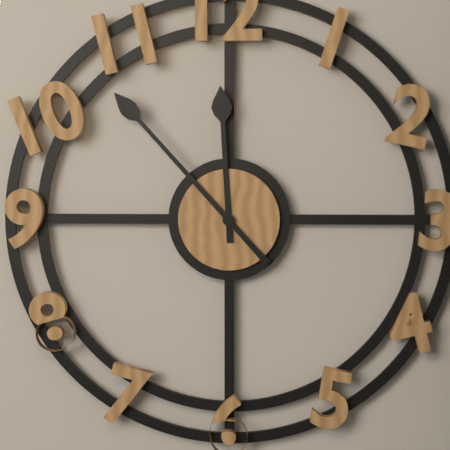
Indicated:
11:53
